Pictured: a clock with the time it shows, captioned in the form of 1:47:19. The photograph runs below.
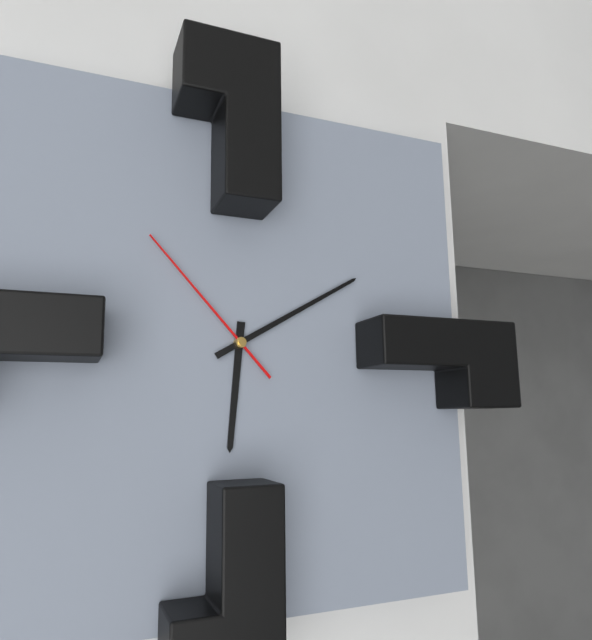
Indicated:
6:10:53
